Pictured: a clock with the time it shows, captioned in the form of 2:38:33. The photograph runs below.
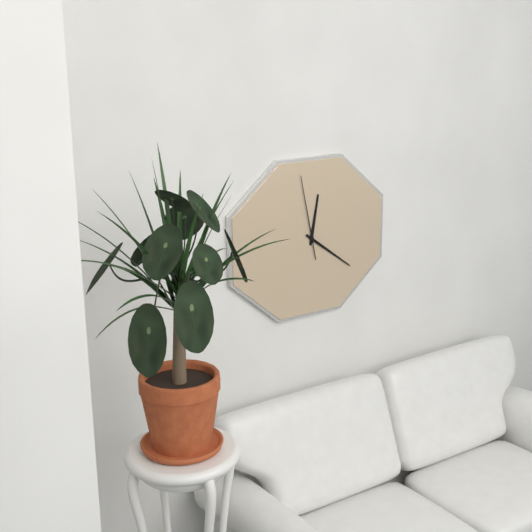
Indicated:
12:21:58
